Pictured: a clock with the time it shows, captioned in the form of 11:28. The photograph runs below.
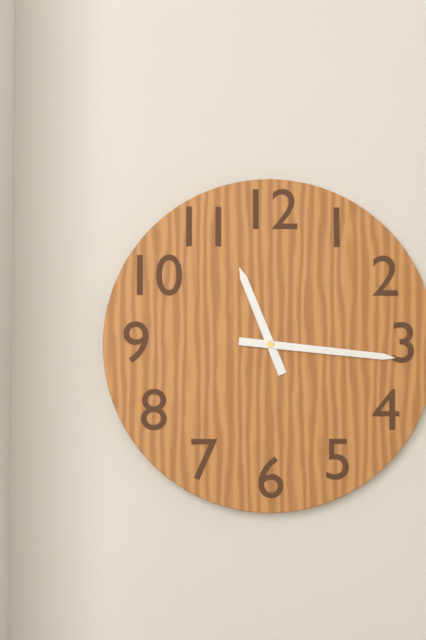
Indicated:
11:16
